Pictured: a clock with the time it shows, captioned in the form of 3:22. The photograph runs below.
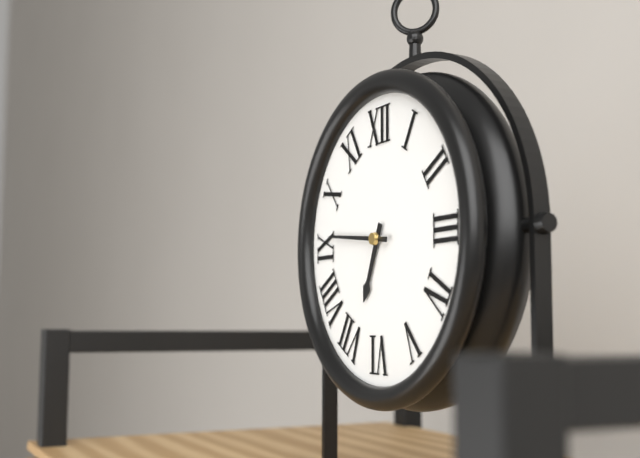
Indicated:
6:46
